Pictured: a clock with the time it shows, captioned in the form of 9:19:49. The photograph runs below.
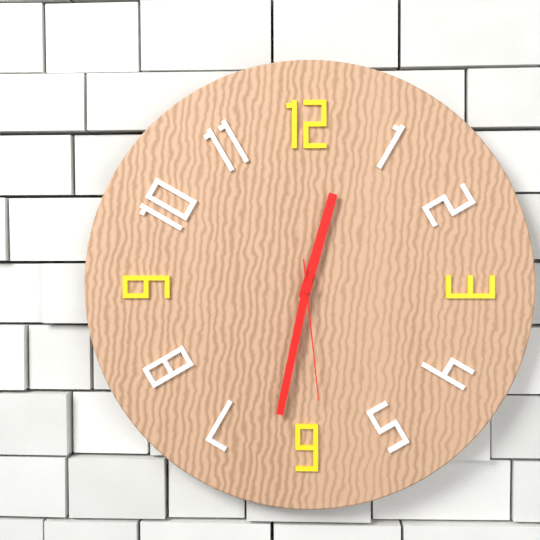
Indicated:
12:32:29
